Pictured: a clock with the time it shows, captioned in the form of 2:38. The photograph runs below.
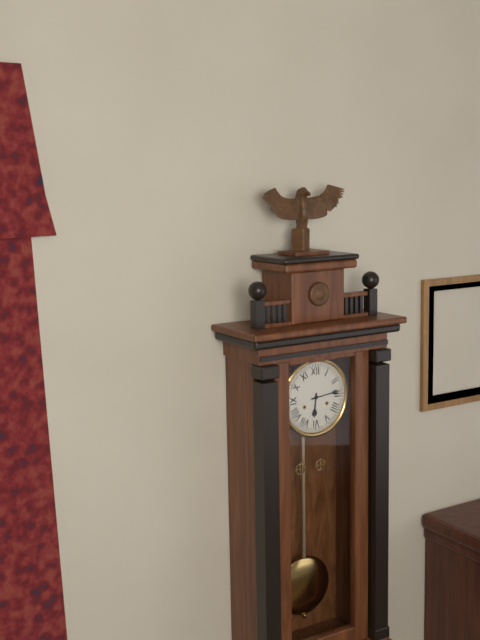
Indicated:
6:14
